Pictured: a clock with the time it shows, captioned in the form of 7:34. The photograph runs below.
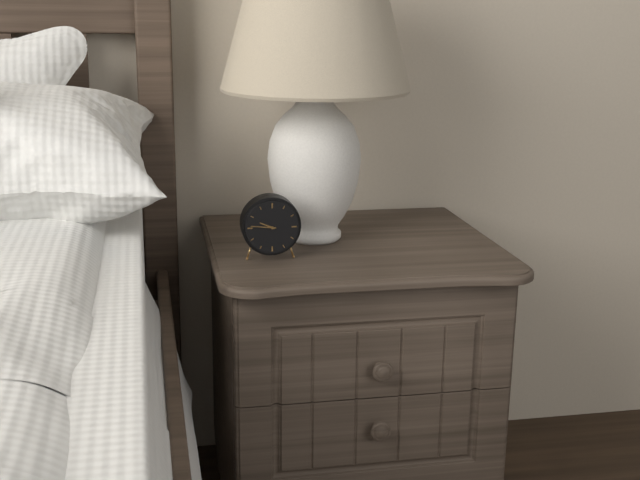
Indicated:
9:46
